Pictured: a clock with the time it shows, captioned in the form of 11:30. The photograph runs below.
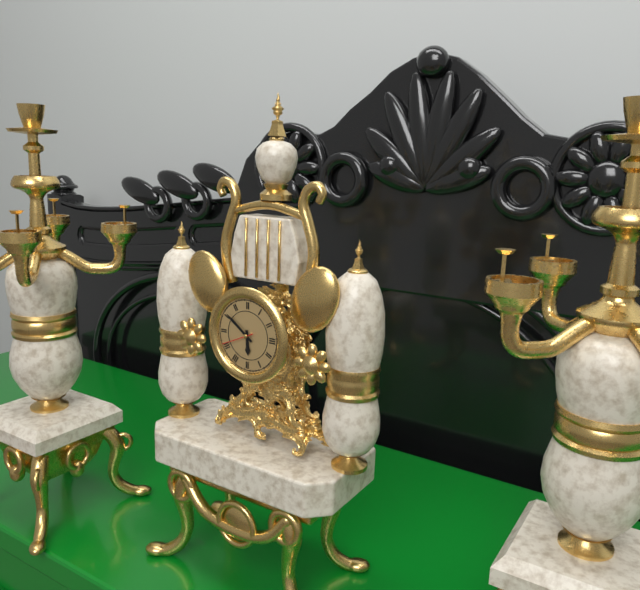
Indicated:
5:51
